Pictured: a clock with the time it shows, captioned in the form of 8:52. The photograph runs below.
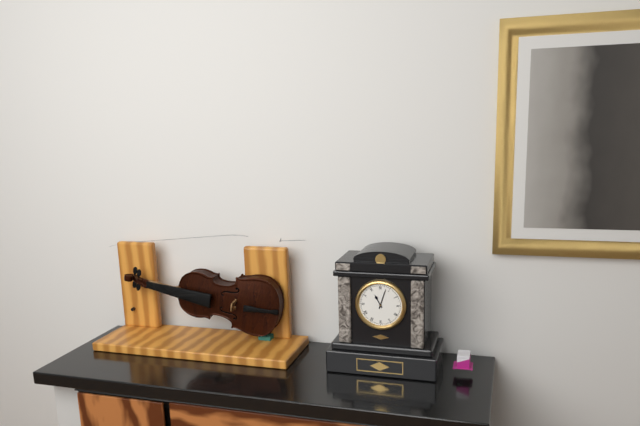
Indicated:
11:03
